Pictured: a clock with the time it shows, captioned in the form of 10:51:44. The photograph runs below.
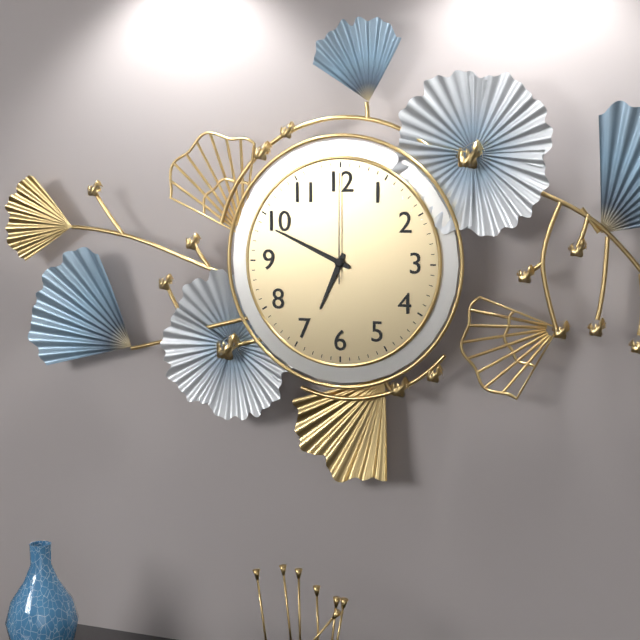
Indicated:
6:49:00
